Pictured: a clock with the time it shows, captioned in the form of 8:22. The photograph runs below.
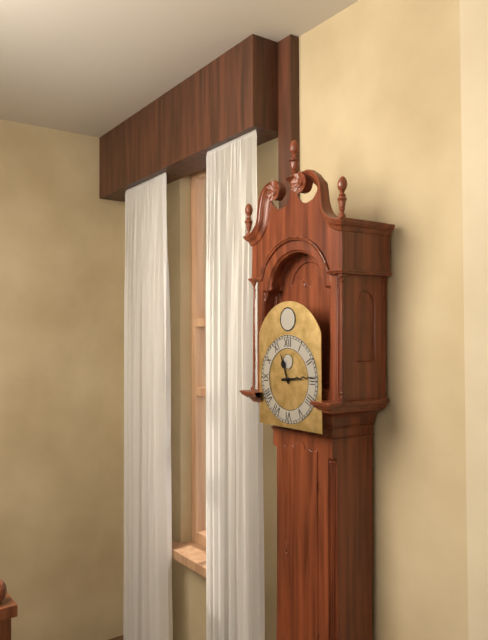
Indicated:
11:14
